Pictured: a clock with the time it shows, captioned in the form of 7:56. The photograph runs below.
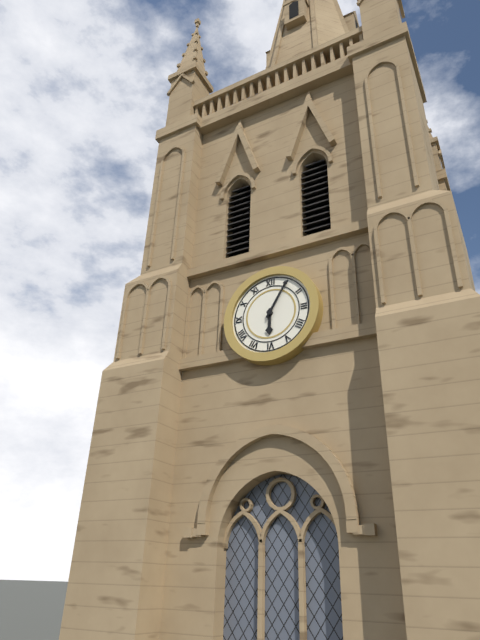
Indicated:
6:05
